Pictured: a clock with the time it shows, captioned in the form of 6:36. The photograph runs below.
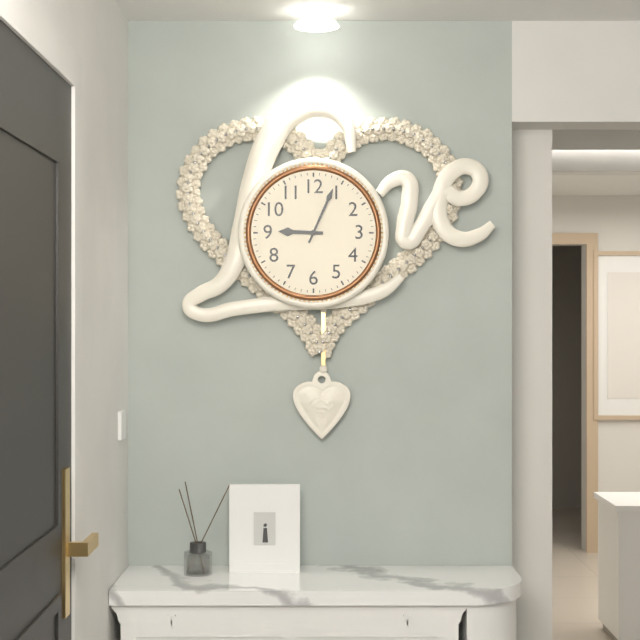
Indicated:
9:04
